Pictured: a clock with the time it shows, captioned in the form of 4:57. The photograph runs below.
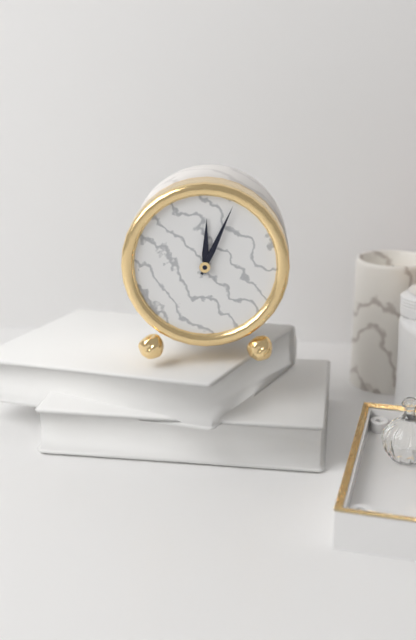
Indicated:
12:04
